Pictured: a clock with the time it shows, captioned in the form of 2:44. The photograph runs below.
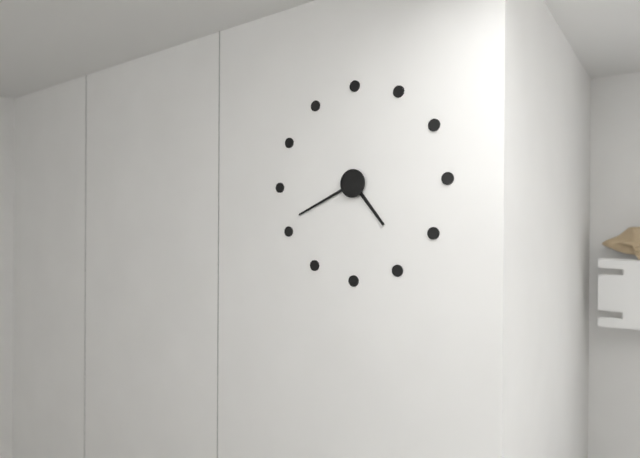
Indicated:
4:41
